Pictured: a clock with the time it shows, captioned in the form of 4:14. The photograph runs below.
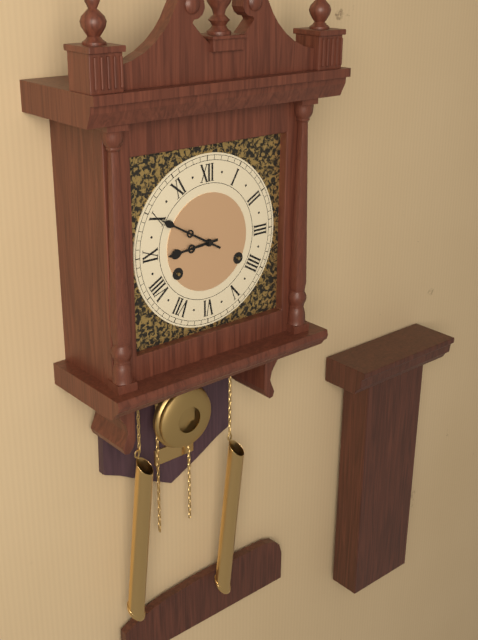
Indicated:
8:50
